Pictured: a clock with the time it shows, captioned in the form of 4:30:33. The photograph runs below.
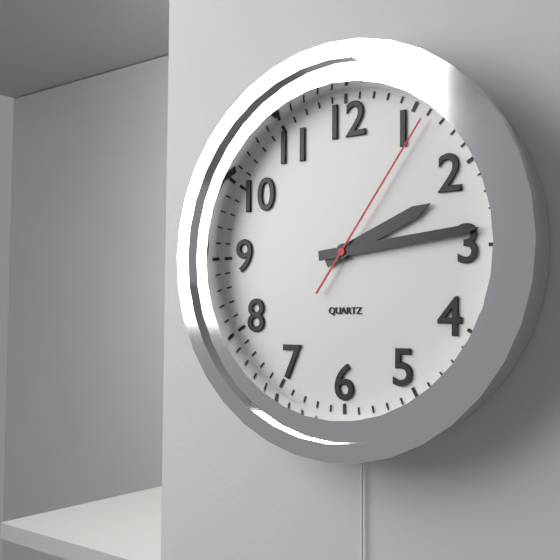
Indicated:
2:14:06
